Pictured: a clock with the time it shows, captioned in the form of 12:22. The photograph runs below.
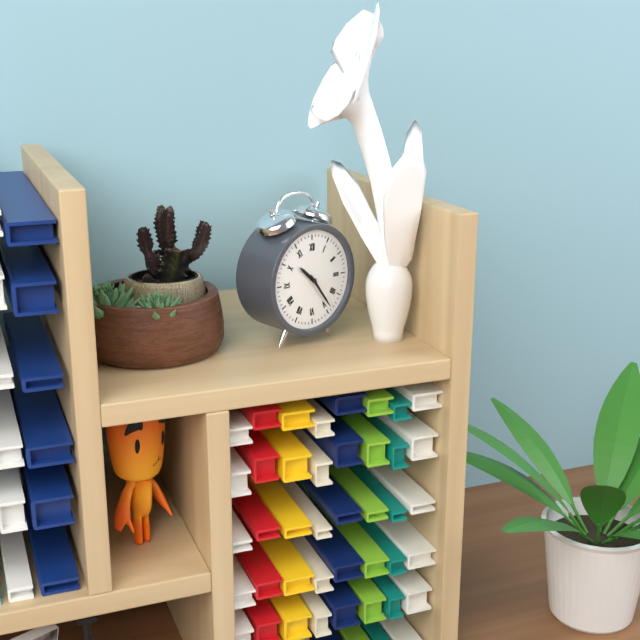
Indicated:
10:24
